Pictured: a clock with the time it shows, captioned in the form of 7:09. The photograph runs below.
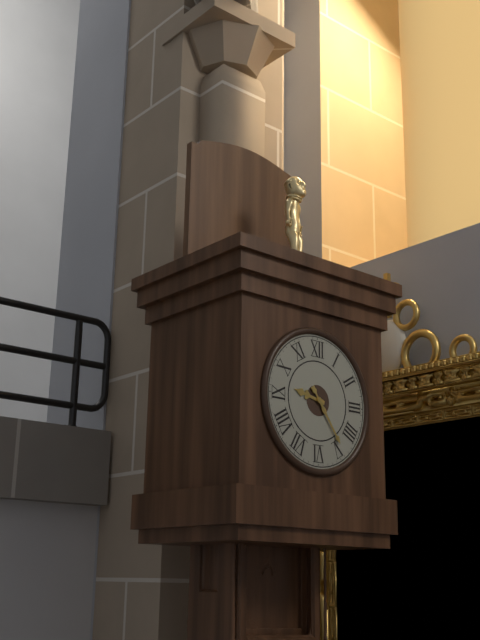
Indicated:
9:24
